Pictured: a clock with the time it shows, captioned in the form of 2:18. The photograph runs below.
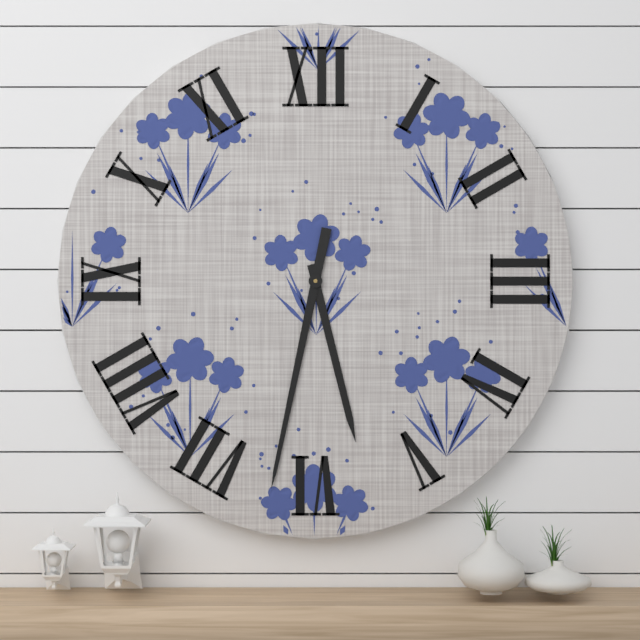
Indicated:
5:32
